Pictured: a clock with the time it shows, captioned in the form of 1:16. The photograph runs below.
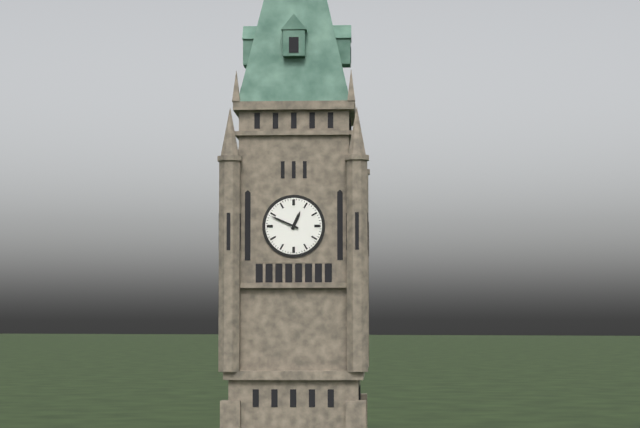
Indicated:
12:49
